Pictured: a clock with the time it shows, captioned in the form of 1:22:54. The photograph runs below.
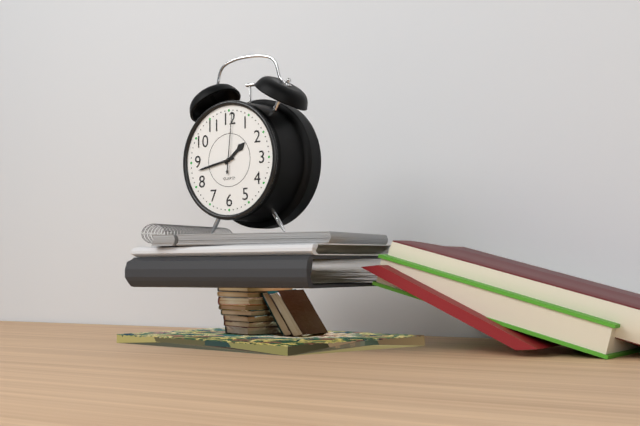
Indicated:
1:43:01
